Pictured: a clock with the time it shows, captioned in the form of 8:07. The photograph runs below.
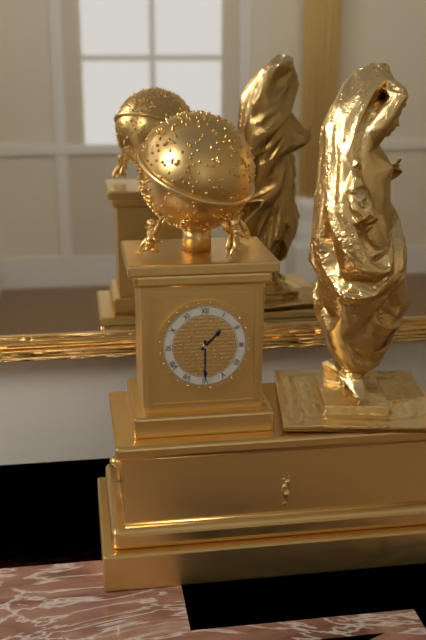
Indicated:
1:30
